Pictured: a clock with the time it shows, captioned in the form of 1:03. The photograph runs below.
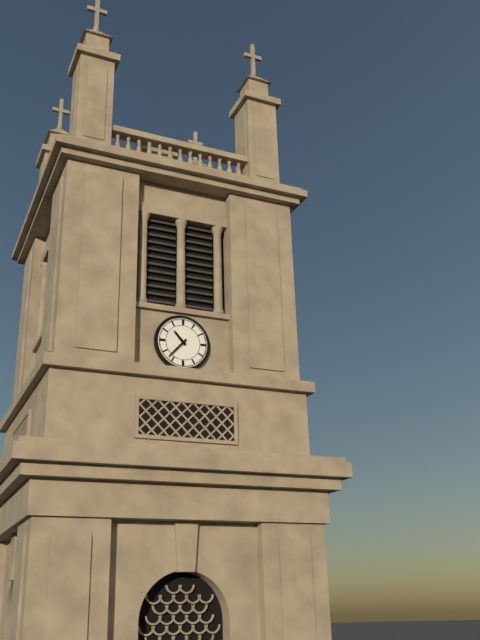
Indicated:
10:37
